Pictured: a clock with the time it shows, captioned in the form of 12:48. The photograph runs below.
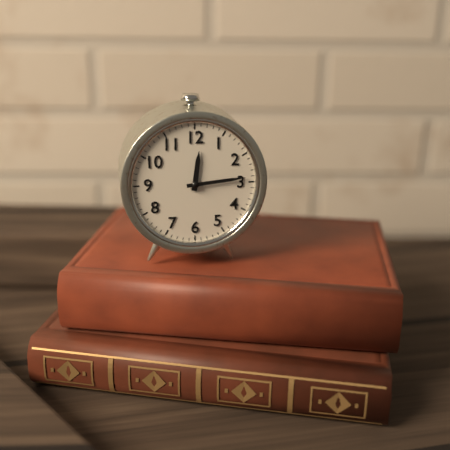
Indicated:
12:14
